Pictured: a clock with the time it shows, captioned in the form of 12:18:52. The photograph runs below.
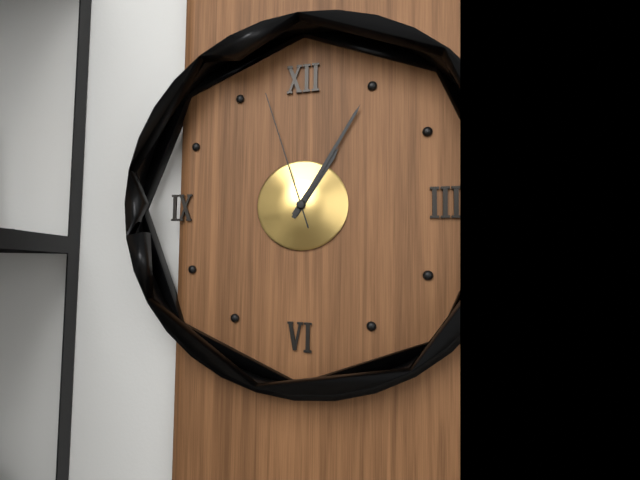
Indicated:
1:05:57
